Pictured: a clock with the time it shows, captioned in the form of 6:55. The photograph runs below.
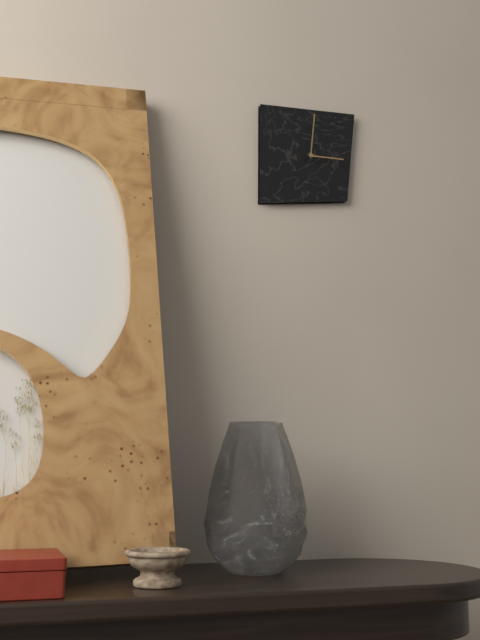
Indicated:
3:01
